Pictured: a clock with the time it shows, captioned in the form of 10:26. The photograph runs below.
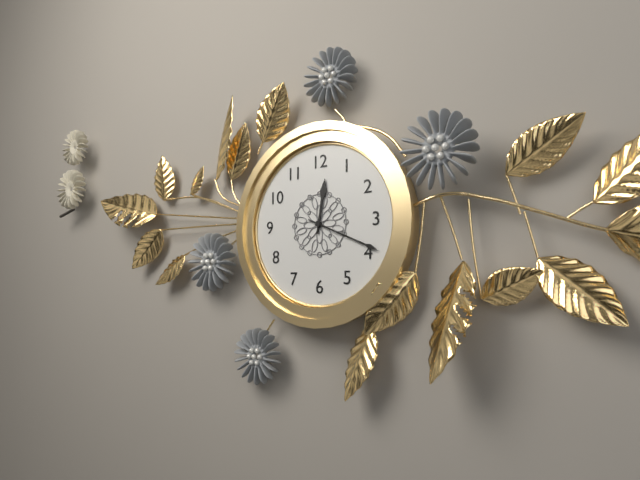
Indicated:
12:19
